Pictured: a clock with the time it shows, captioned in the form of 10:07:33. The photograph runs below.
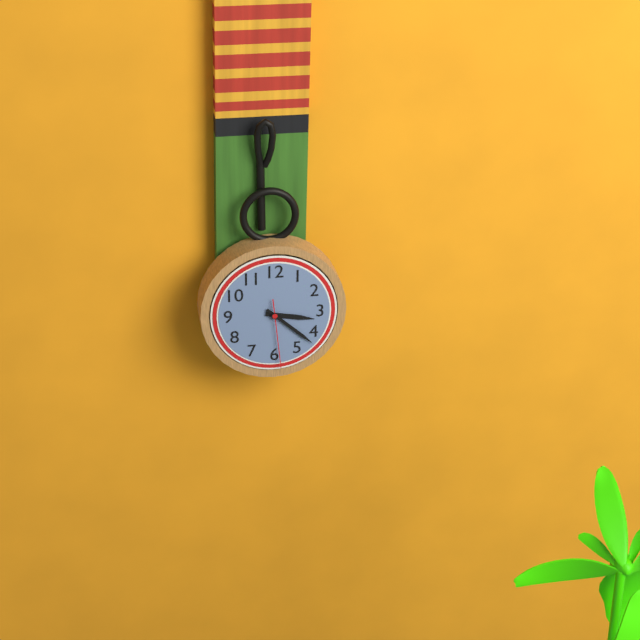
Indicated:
3:22:29
